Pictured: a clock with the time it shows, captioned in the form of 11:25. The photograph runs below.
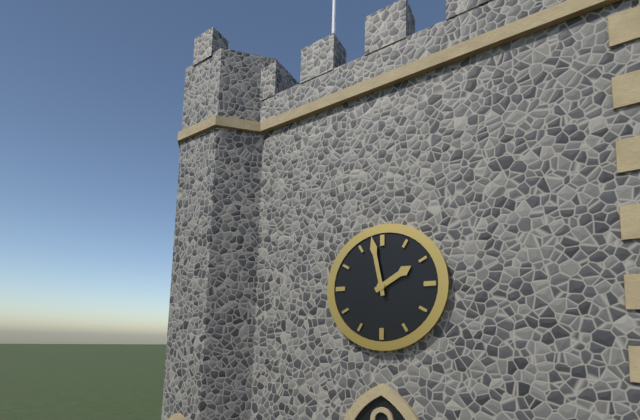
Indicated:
1:58
